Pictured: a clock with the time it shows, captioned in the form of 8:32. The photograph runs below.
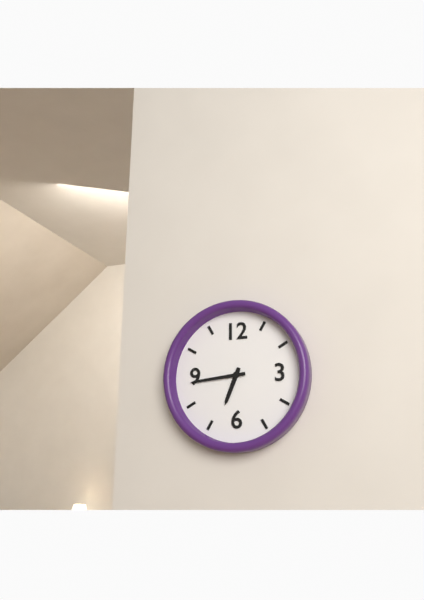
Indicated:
6:44
